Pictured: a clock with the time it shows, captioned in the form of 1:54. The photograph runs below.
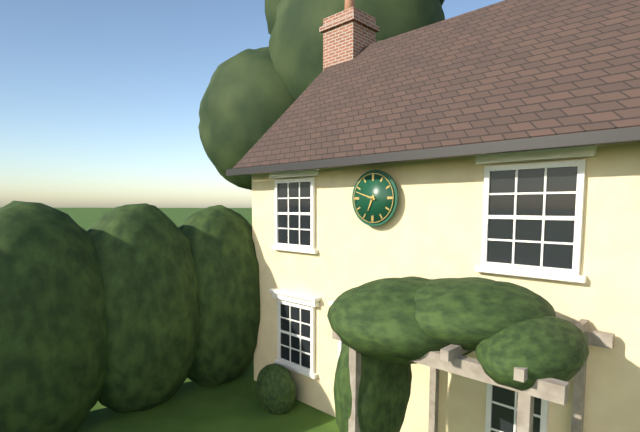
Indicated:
6:48
